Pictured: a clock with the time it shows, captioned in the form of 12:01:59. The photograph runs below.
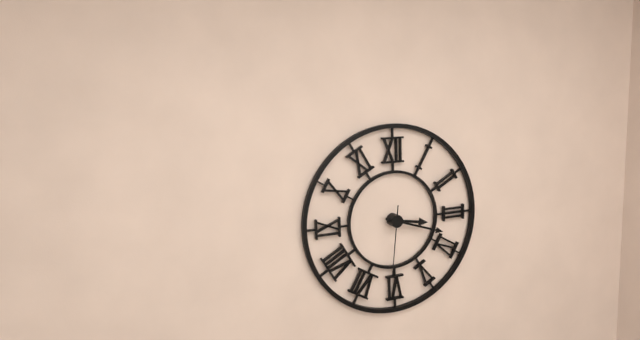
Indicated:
3:18:31
